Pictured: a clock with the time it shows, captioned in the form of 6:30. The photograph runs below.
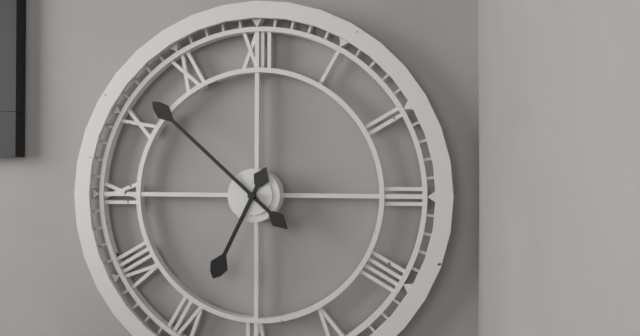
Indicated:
6:52
